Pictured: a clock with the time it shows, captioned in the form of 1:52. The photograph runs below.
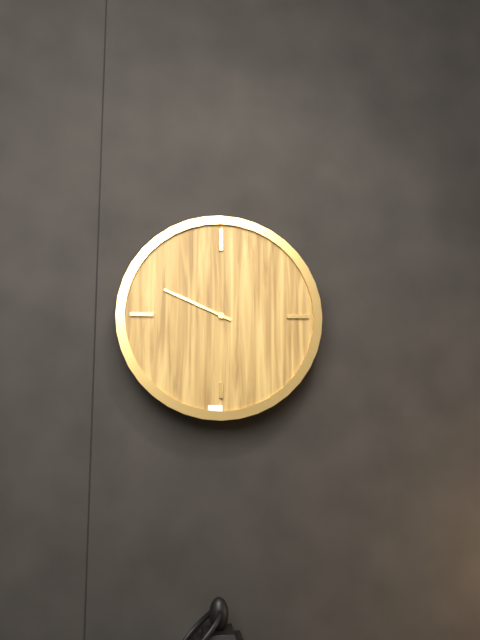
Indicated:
9:49
